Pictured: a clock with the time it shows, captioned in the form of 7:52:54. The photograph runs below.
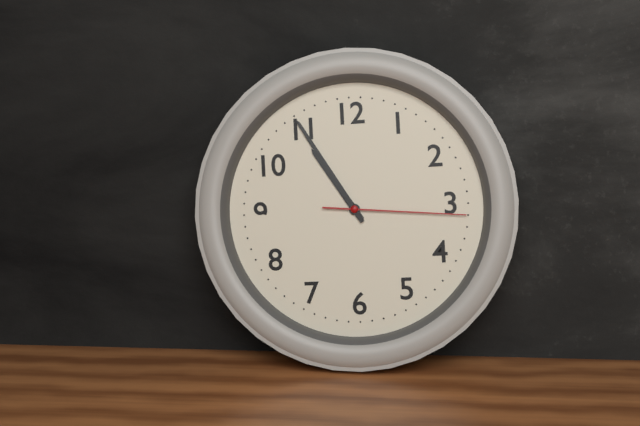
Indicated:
10:55:16
